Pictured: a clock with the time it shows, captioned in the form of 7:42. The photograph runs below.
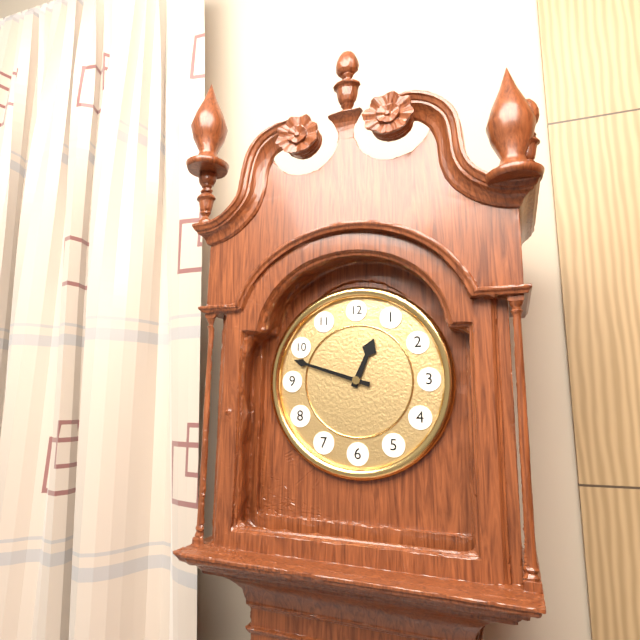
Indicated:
12:48
